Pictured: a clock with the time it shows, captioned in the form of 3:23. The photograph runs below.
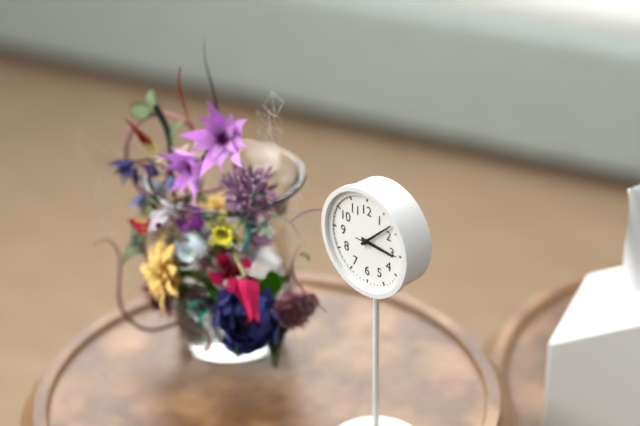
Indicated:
3:08
